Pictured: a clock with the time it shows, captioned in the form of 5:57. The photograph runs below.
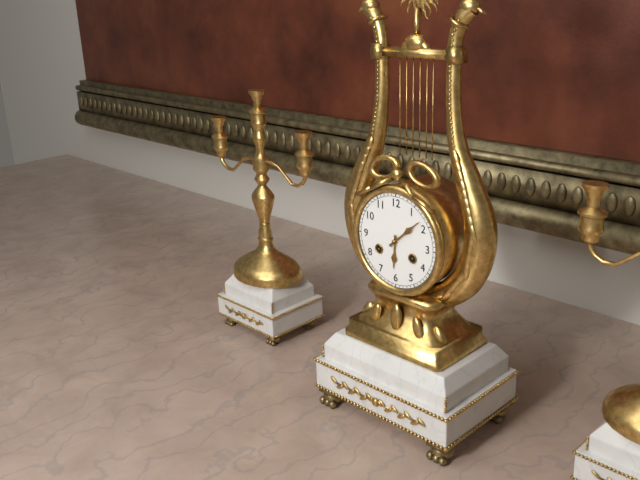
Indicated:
6:08
